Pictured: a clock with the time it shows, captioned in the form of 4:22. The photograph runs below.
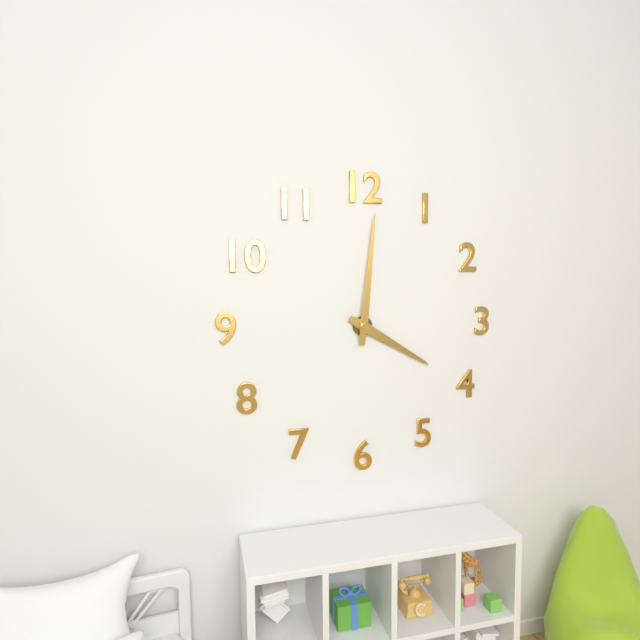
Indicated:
4:01
